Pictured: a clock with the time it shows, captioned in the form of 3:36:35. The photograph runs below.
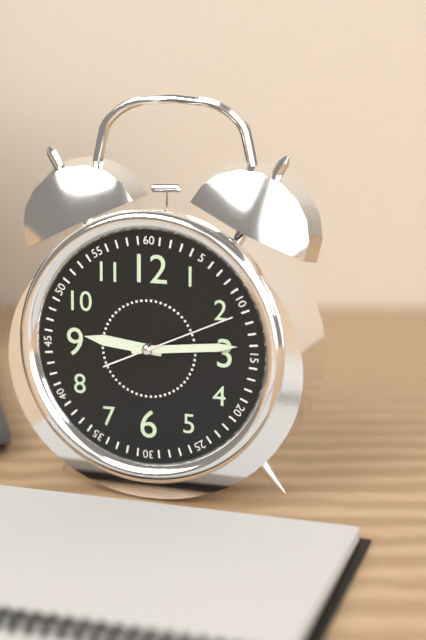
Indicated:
9:14:11
